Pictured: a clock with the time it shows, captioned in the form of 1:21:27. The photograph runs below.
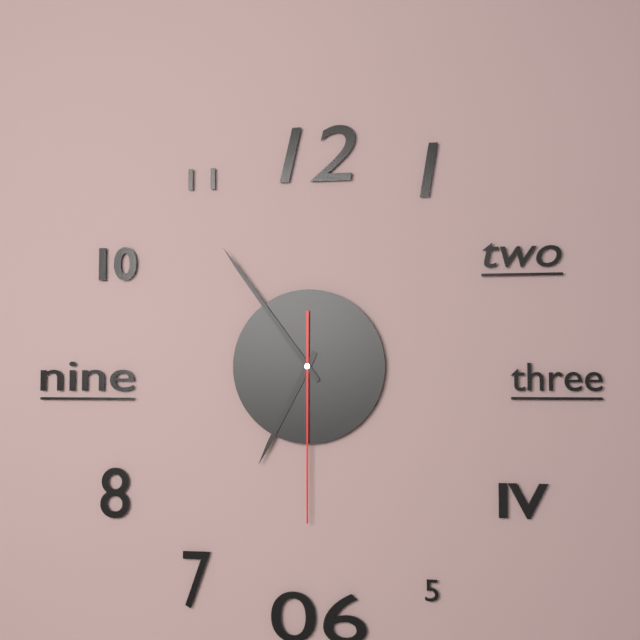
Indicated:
6:54:30
